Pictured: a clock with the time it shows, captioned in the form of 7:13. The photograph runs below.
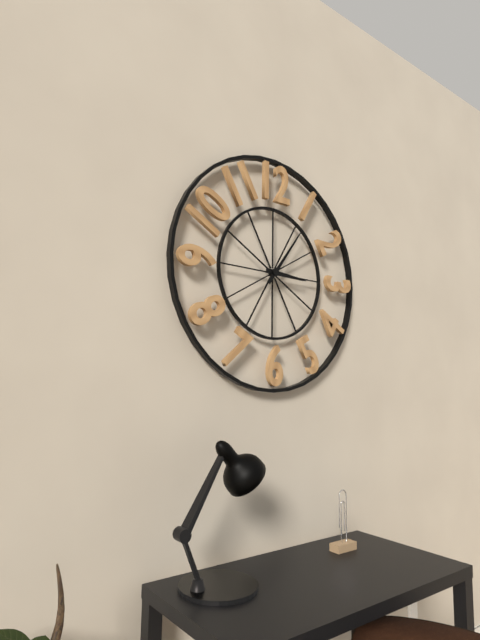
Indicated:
3:06
